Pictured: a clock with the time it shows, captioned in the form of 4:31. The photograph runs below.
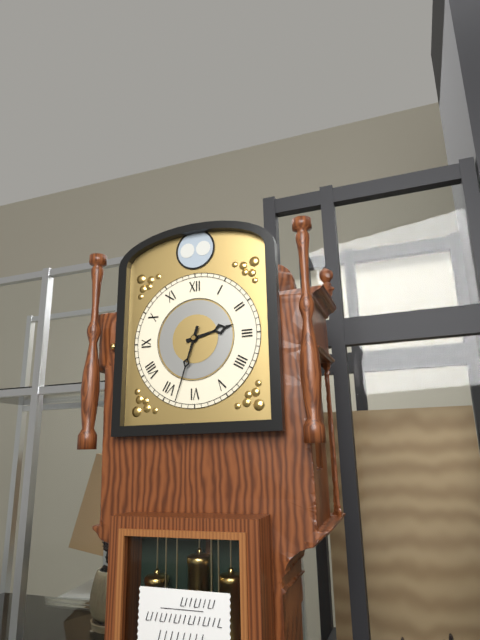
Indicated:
2:33
